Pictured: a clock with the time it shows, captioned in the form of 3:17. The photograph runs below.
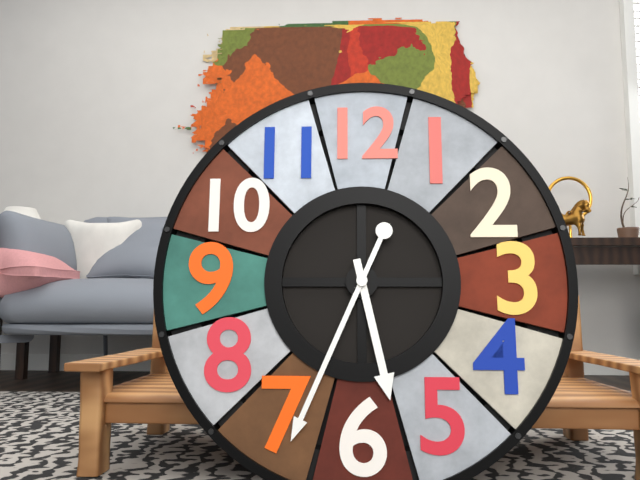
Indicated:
5:34
